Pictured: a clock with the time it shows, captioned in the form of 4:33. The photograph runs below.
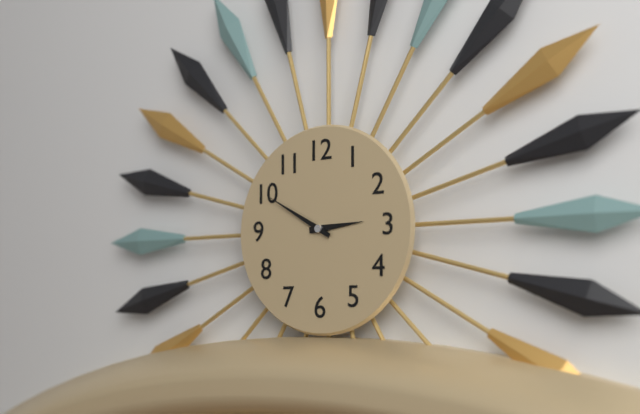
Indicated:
2:50
